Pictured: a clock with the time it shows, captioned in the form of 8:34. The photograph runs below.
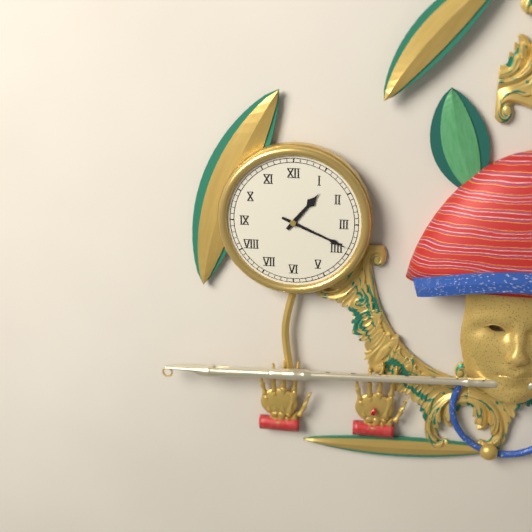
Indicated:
1:19
